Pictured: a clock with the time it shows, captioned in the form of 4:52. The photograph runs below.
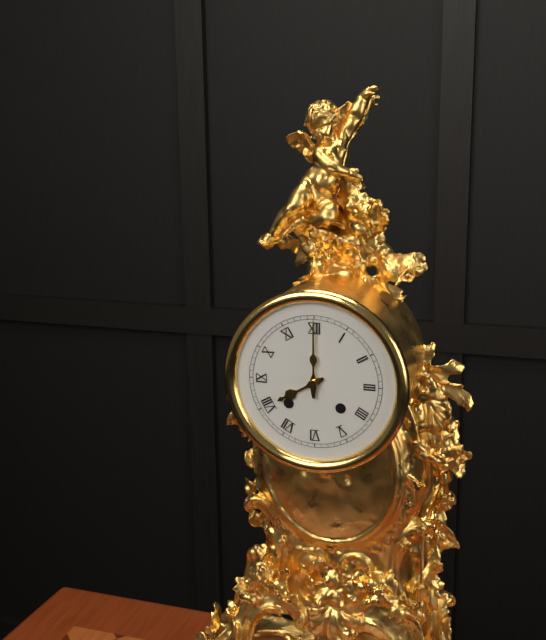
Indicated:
8:00
